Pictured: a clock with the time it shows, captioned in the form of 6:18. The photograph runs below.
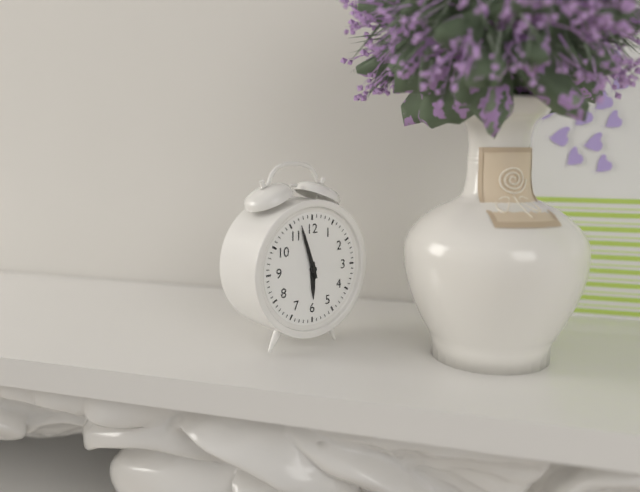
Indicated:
5:57
